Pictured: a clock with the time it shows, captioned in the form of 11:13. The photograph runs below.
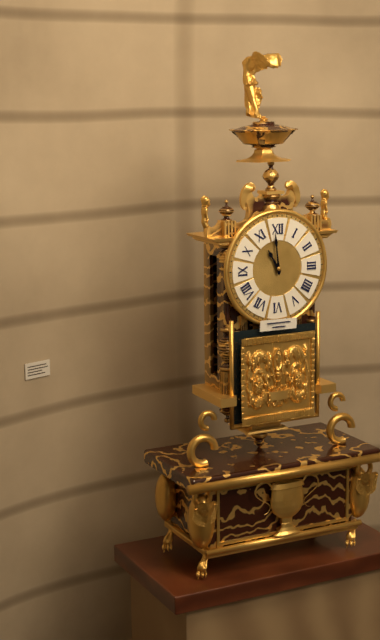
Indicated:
10:59
